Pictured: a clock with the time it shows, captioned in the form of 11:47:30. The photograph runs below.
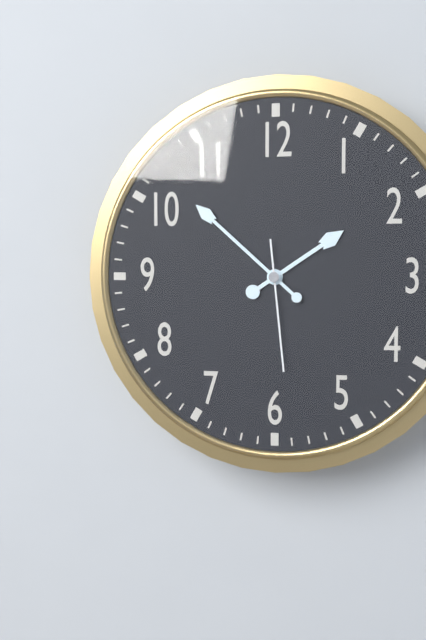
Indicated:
1:52:29
